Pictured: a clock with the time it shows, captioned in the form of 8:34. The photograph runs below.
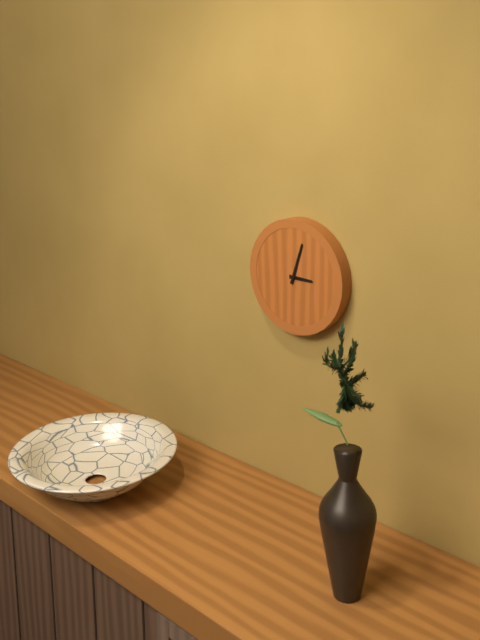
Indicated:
3:03
